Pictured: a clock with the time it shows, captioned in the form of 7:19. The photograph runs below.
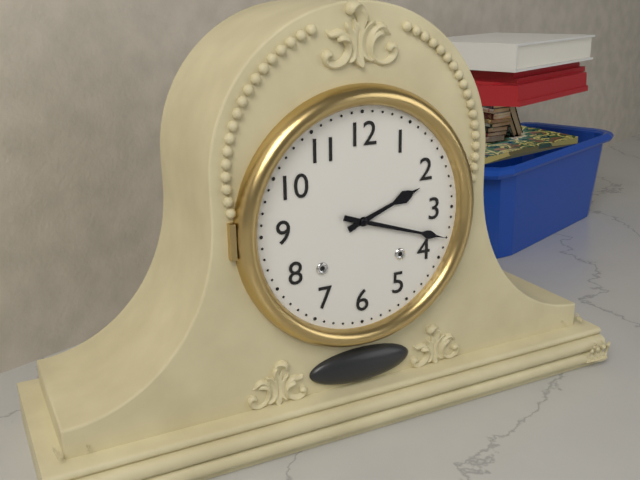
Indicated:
2:18
